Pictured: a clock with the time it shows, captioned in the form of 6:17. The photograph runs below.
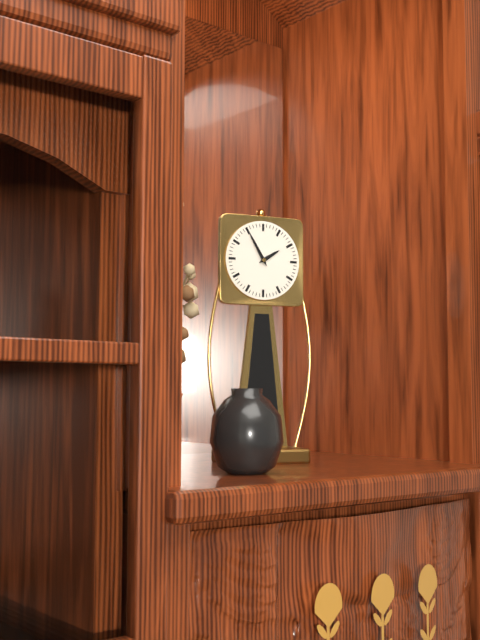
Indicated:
1:55
